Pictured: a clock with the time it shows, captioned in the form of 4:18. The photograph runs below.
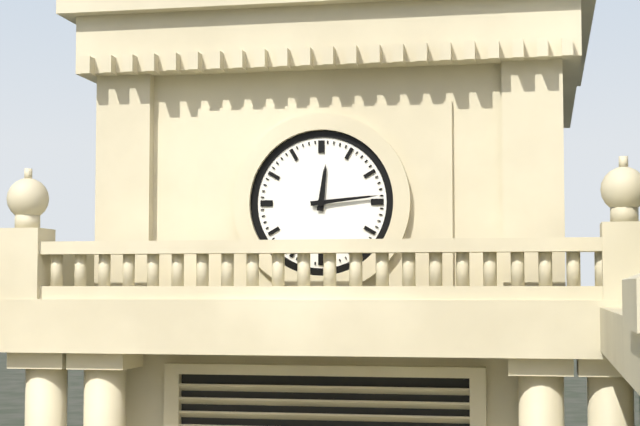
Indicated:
12:14
